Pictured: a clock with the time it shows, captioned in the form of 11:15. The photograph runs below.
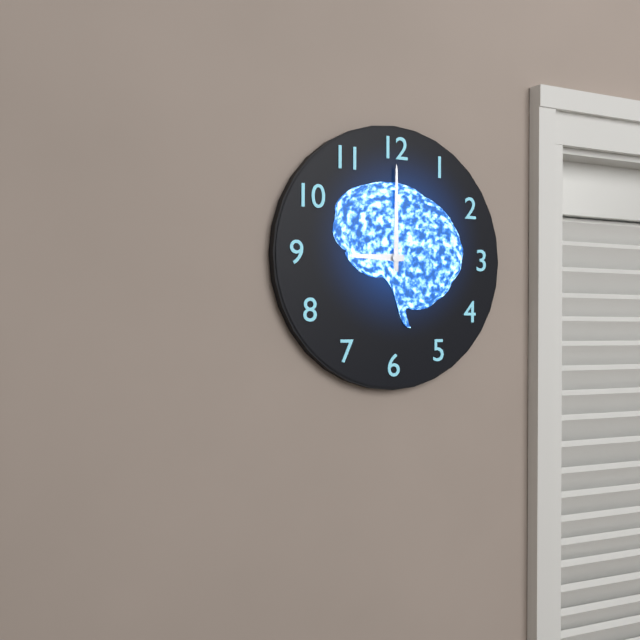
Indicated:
9:00
